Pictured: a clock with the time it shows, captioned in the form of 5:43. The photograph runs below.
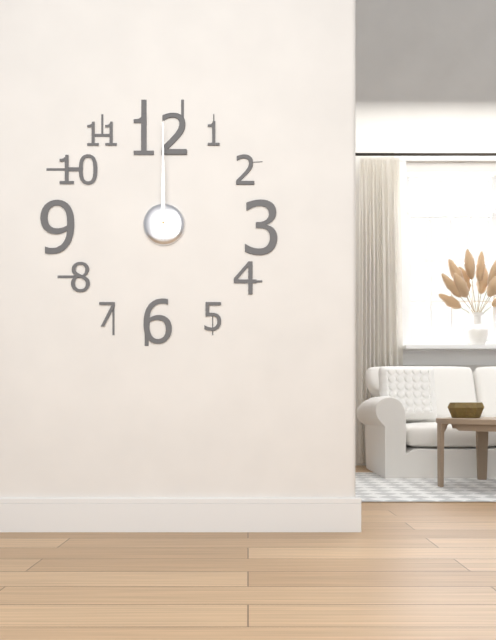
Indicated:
12:00
